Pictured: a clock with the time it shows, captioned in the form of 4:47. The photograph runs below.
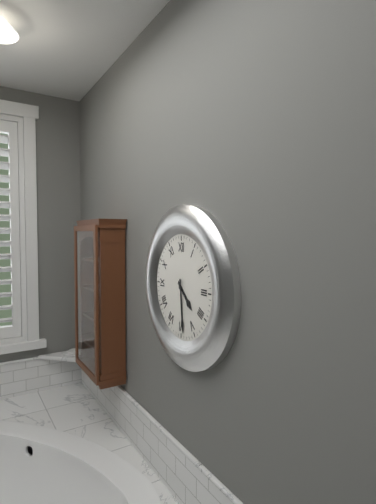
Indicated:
4:29
